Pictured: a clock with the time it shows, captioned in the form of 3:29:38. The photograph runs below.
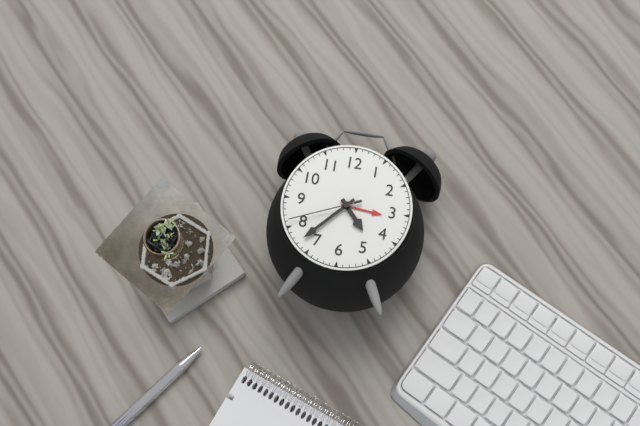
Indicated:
4:37:41
